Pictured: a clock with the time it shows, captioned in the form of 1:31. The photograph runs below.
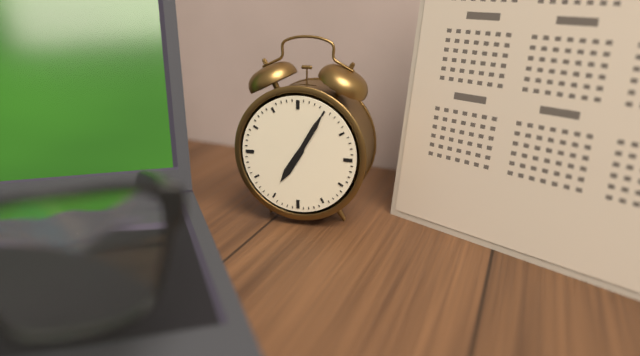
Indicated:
7:05
